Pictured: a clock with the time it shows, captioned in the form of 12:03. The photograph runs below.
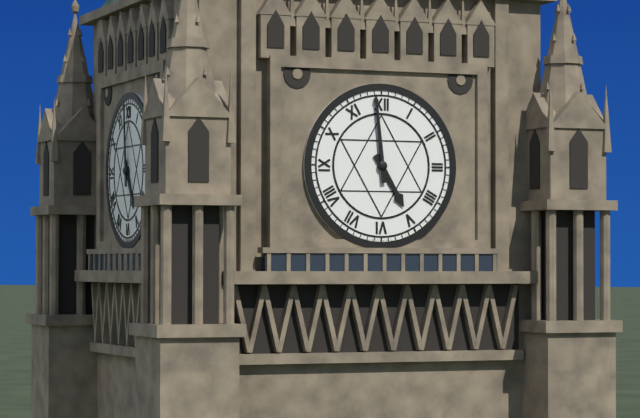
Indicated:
4:59
